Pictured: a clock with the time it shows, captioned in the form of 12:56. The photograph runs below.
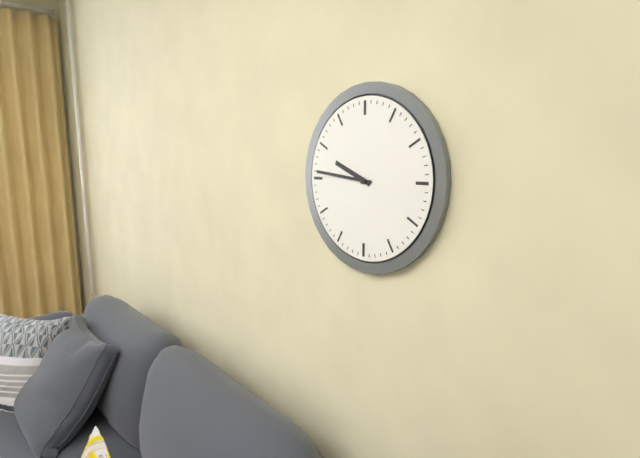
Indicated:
9:46
